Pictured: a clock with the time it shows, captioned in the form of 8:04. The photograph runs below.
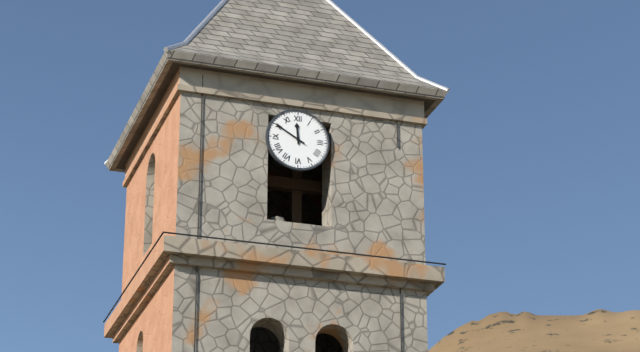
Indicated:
11:50
